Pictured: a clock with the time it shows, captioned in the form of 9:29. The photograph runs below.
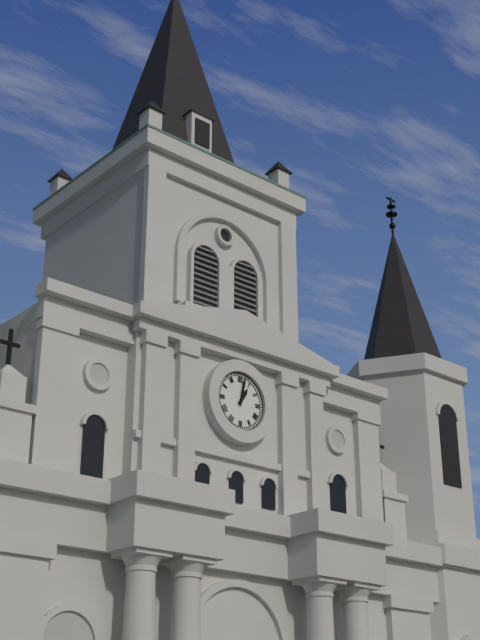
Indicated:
1:02
